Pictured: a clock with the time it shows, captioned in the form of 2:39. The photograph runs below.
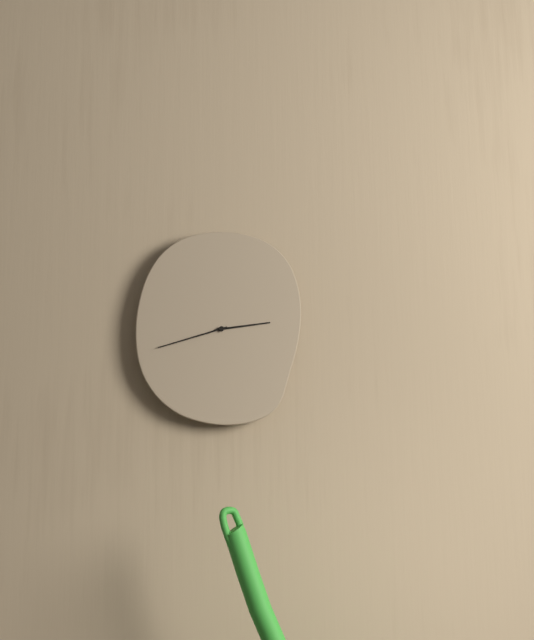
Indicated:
2:42
